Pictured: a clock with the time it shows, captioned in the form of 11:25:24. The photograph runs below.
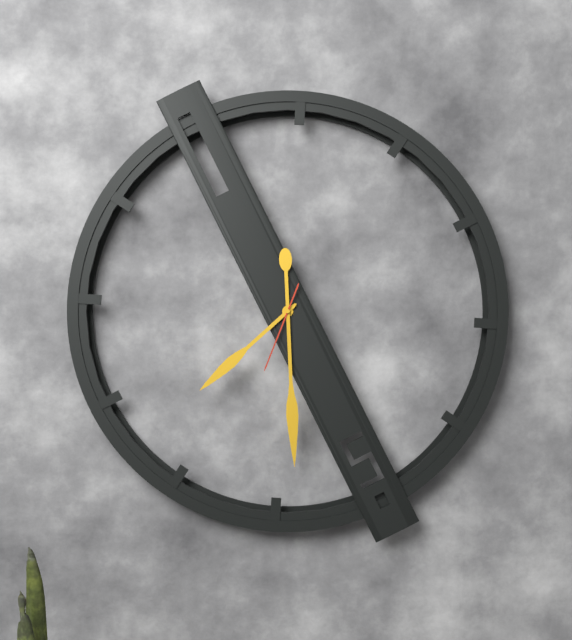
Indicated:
7:29:33
